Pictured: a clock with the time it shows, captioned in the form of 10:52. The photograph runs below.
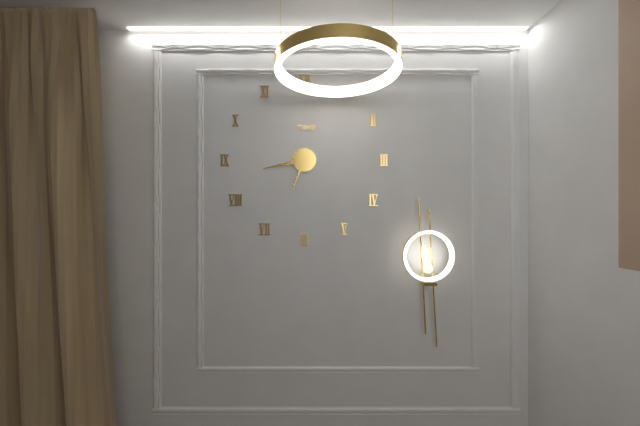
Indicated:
6:43
